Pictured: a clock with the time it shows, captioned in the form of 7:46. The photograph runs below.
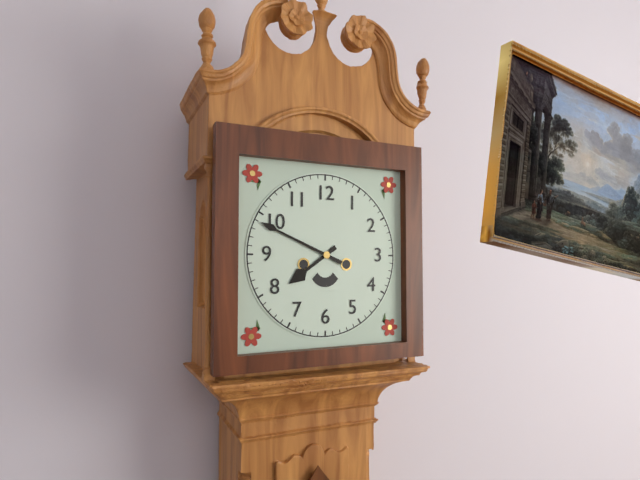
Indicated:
7:49
